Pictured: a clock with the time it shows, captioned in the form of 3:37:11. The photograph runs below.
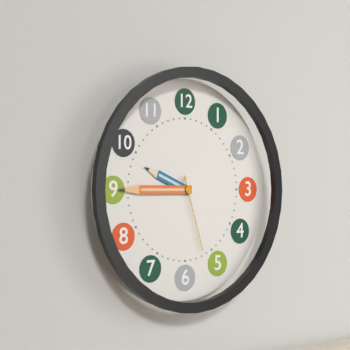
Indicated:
9:45:27
